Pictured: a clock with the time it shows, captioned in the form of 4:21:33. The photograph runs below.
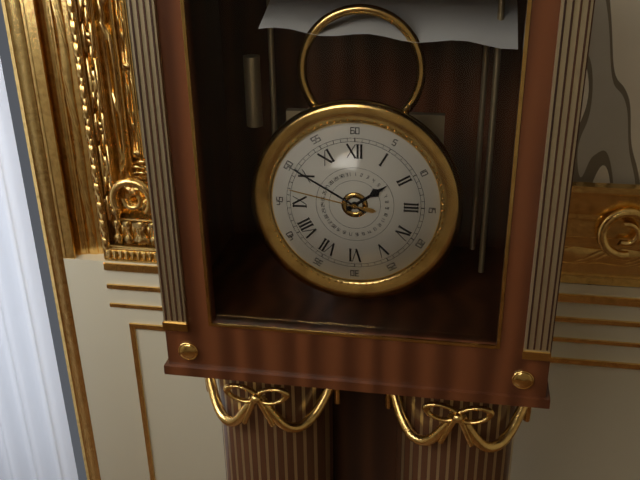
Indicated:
1:50:47
